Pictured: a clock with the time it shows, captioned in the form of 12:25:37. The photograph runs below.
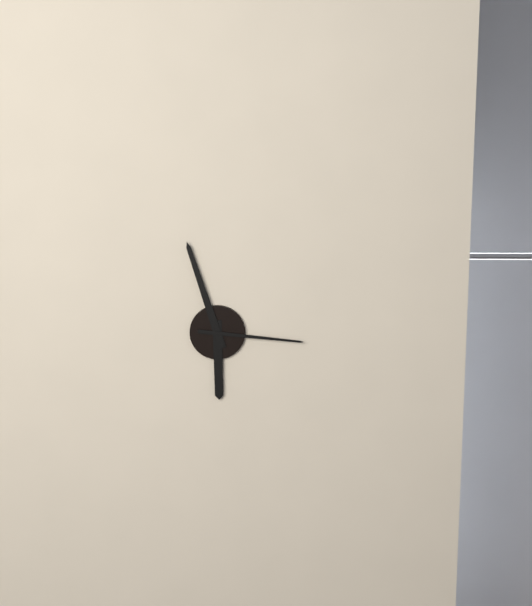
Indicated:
5:57:16
